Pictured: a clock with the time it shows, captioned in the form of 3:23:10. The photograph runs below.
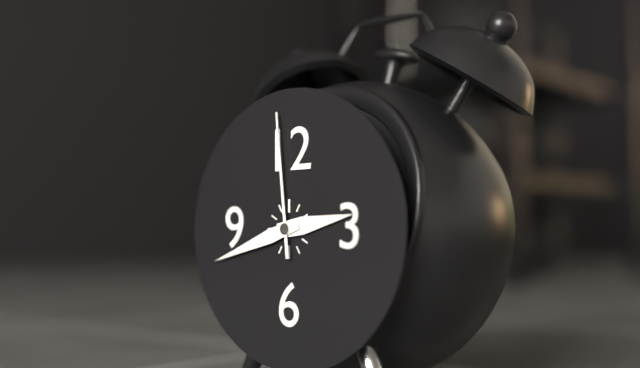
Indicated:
2:42:59
